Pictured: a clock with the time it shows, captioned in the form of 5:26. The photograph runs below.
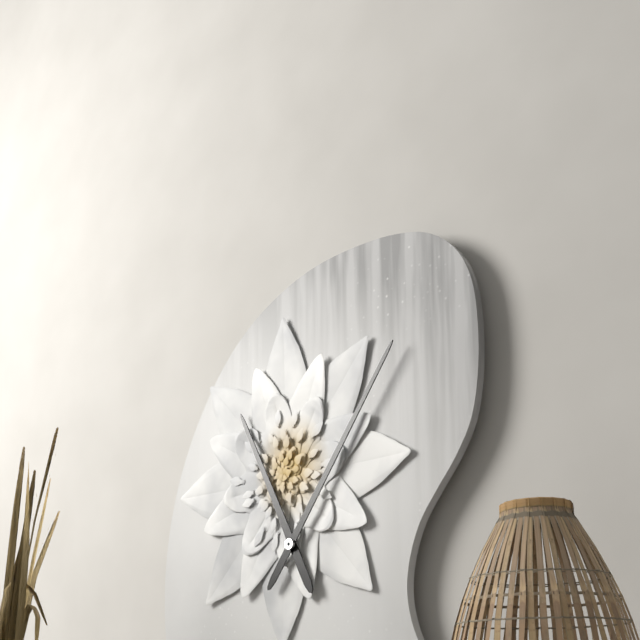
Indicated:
11:06
